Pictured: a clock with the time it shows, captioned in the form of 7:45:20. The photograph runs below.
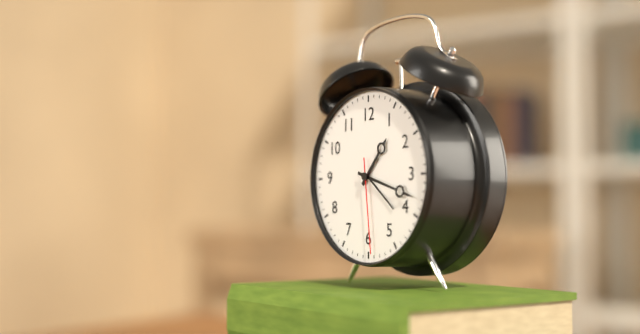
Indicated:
1:18:29
